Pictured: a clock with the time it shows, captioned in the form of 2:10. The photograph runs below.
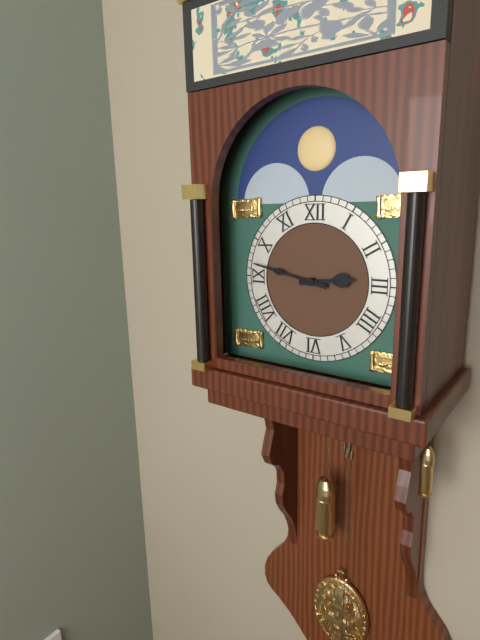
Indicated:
2:47
